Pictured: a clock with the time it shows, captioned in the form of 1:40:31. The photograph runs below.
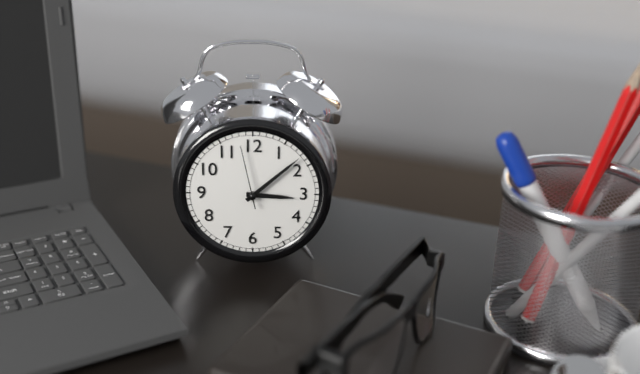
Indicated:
3:08:58
